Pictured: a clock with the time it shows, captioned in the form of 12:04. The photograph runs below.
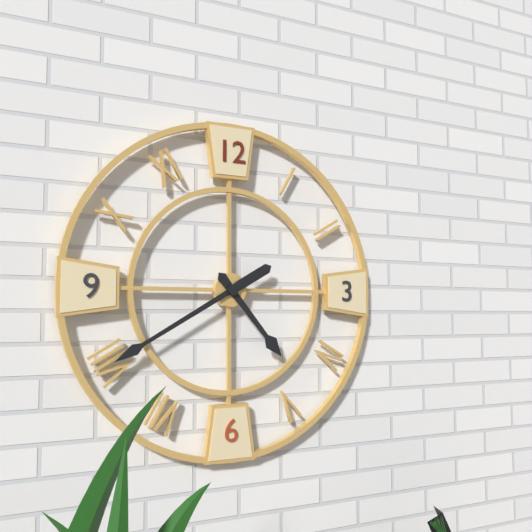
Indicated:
4:40
